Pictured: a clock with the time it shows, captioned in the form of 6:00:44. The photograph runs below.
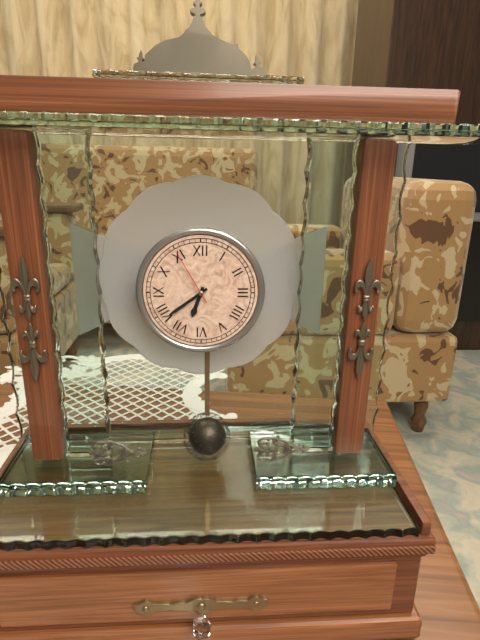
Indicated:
6:39:55
